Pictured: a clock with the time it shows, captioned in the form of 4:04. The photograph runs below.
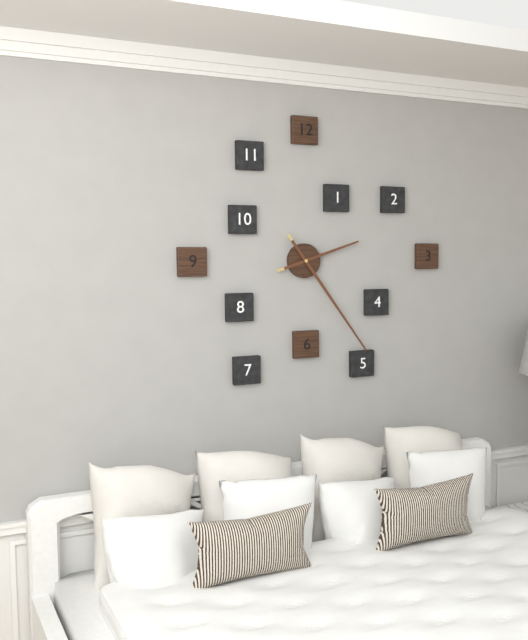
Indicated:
2:24
